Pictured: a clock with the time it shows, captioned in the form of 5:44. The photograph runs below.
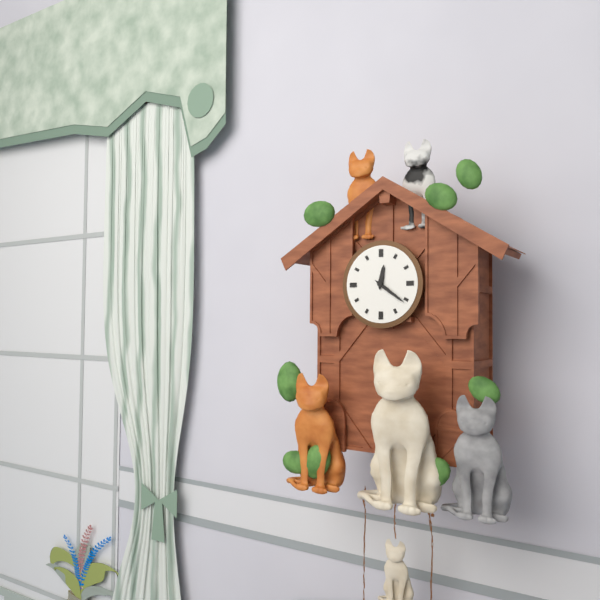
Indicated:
12:21
